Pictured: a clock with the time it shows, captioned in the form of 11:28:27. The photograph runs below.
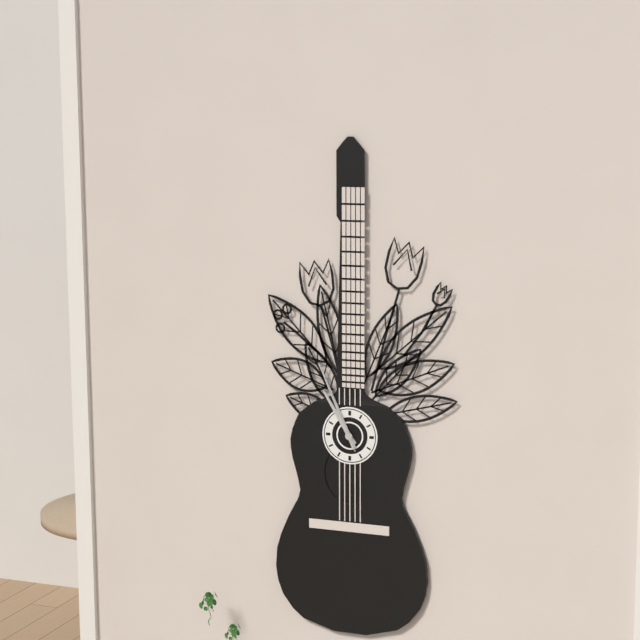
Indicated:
10:56:56
